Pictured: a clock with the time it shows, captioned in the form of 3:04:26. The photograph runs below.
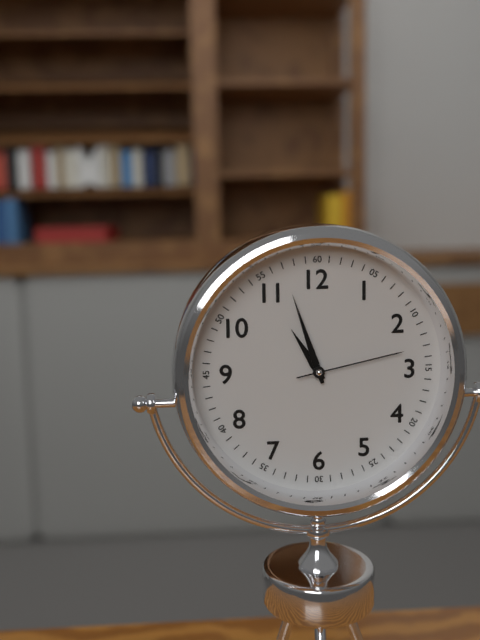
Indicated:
10:57:13
